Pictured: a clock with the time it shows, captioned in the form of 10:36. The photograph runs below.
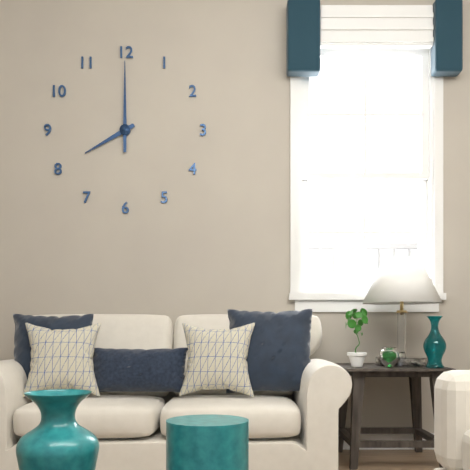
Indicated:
8:00
